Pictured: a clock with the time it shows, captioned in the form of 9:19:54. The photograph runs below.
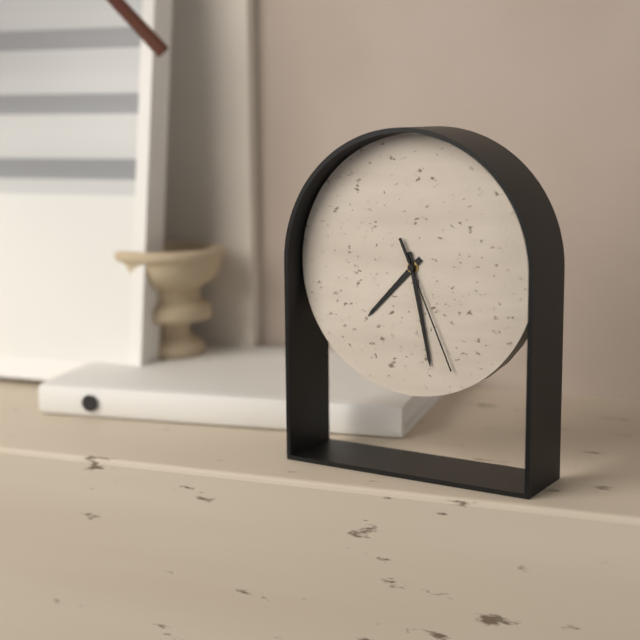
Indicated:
7:28:26
